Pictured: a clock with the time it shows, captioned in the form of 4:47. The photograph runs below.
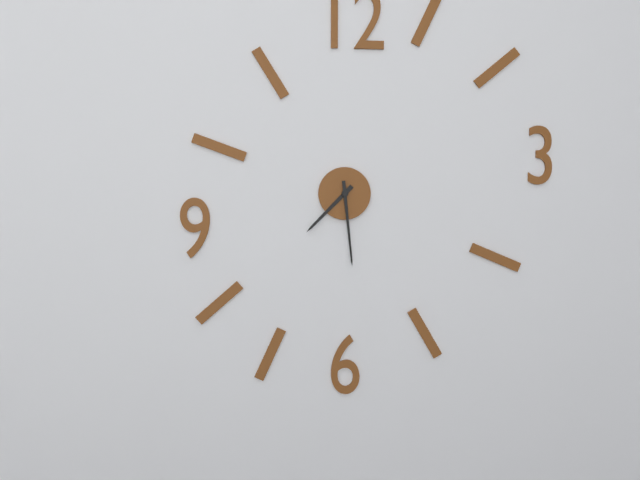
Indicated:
7:29
